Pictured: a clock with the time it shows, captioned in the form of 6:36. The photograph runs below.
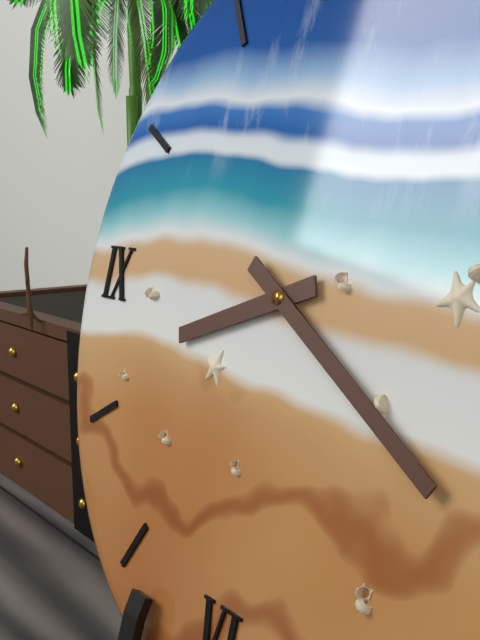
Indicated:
8:20
